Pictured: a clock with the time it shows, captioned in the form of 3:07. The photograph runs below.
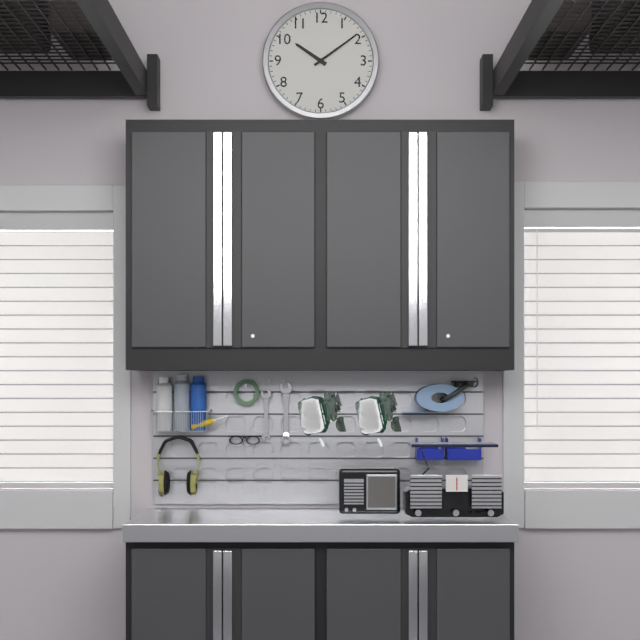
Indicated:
10:09
